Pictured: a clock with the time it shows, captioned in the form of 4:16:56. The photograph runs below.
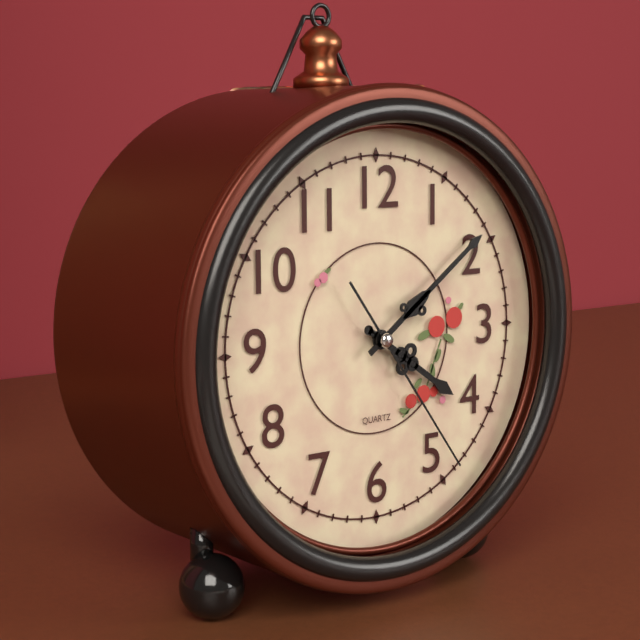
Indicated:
4:09:24
